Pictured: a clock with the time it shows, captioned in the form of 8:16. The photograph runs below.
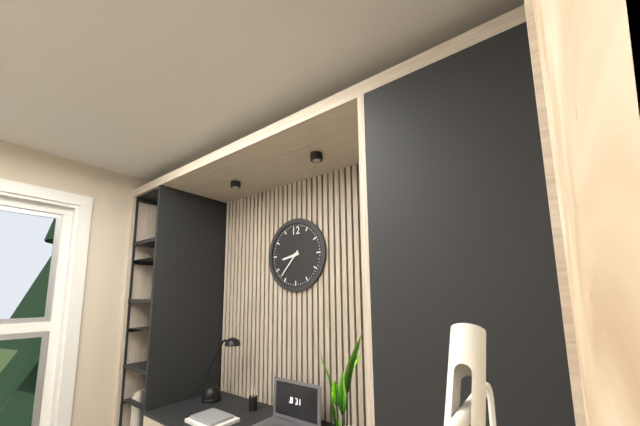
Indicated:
8:37
